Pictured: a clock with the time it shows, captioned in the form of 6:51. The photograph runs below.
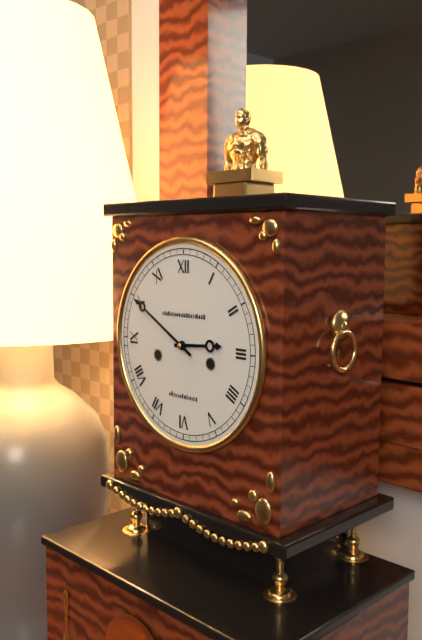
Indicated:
2:50
